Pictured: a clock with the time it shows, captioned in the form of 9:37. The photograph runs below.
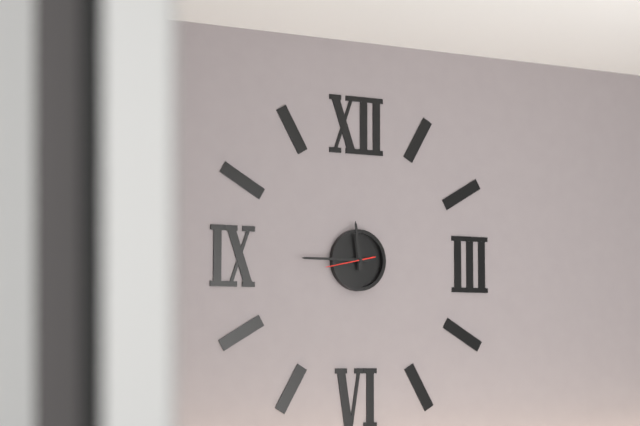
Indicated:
11:45
